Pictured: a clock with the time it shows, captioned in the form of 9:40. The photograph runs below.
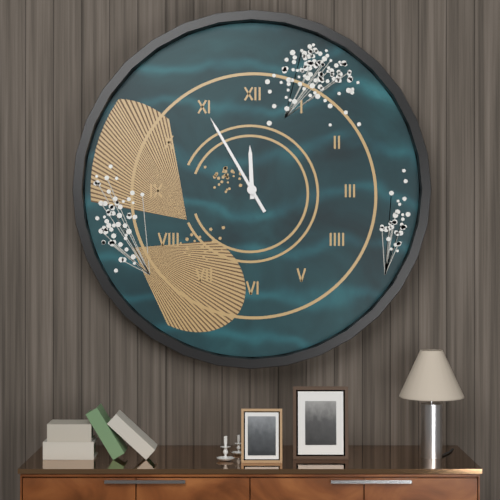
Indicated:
11:55
